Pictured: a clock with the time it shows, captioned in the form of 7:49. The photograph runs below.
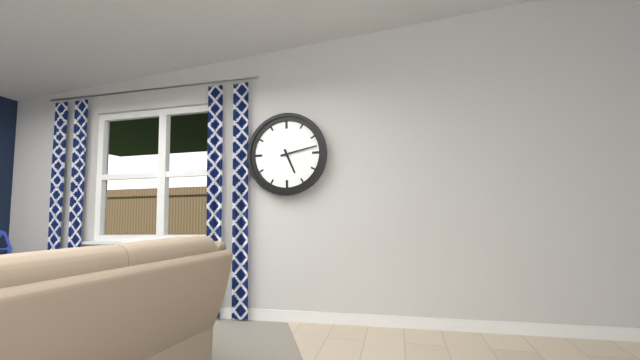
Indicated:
5:13
